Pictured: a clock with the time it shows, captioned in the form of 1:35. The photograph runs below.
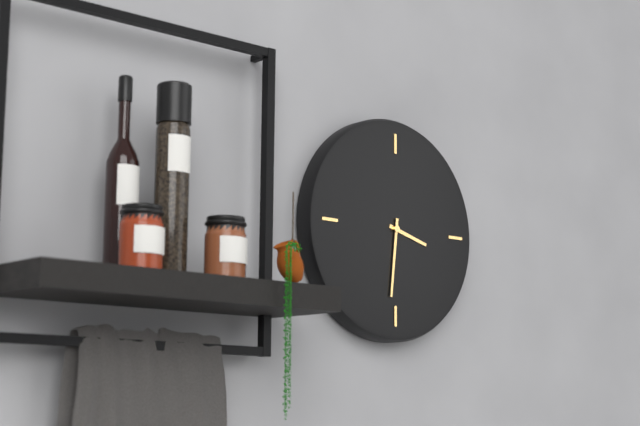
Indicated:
3:31
